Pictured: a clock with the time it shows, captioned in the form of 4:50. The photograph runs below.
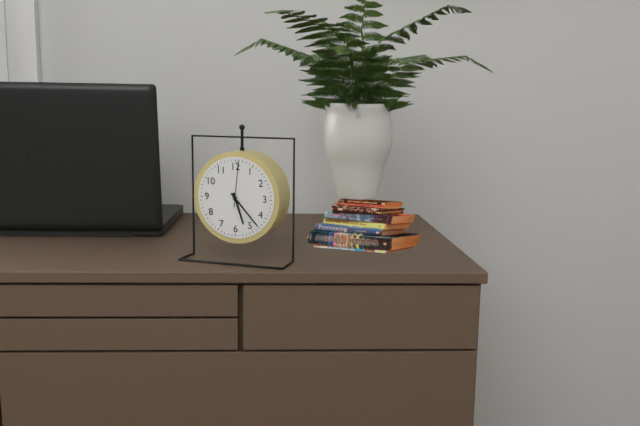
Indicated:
5:23
